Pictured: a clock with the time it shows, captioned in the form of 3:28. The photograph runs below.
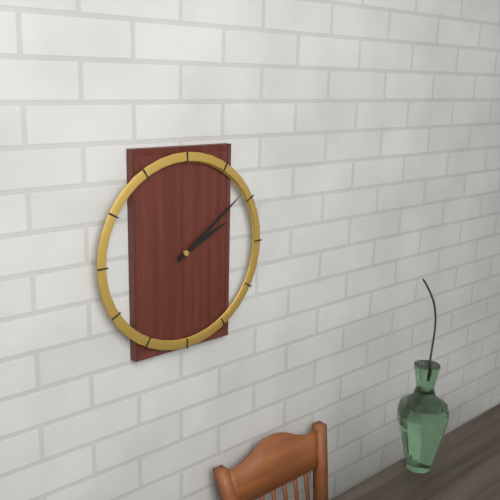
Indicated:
2:09
